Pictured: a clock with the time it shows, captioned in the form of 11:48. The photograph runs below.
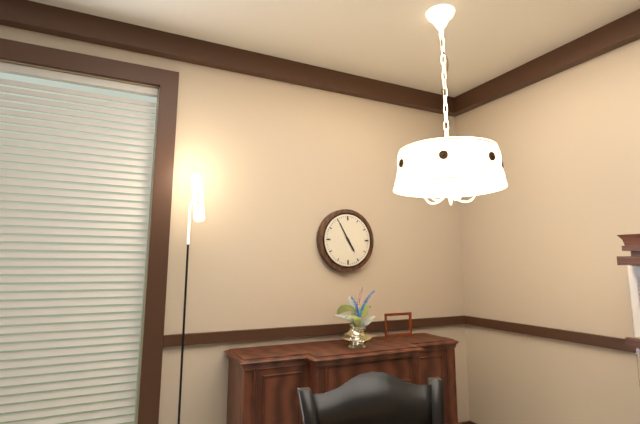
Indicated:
4:55
